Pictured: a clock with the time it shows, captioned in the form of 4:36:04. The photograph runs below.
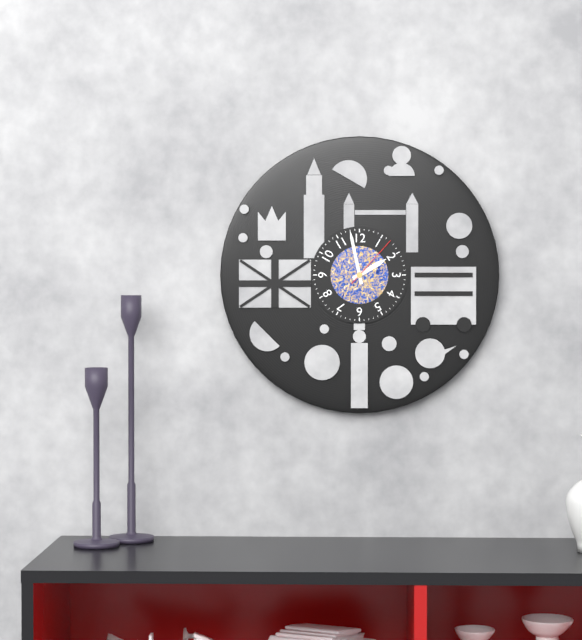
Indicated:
1:58:07
